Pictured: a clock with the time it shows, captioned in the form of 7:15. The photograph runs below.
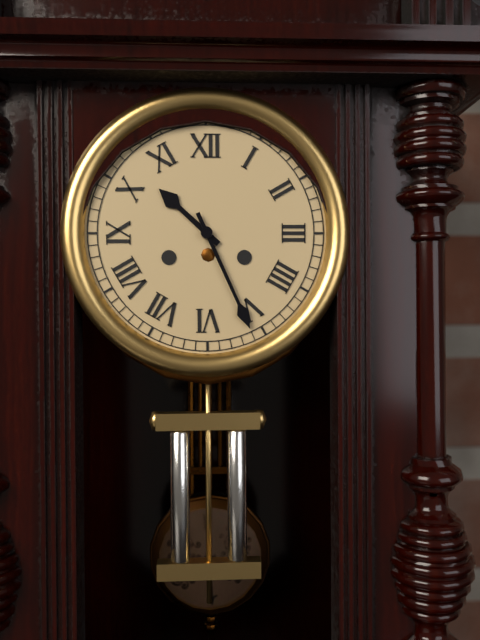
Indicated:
10:26
